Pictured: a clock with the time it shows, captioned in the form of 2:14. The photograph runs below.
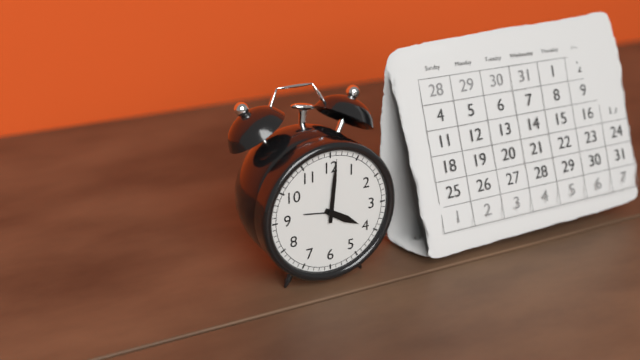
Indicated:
4:01
